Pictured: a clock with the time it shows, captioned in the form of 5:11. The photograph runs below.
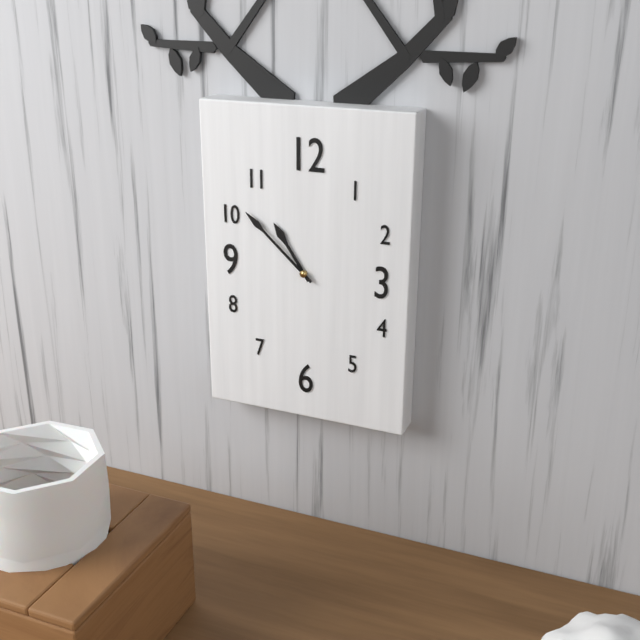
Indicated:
10:52
